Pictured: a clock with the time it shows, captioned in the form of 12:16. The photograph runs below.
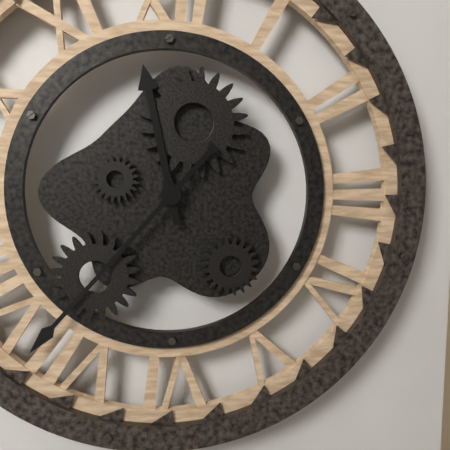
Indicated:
11:37
